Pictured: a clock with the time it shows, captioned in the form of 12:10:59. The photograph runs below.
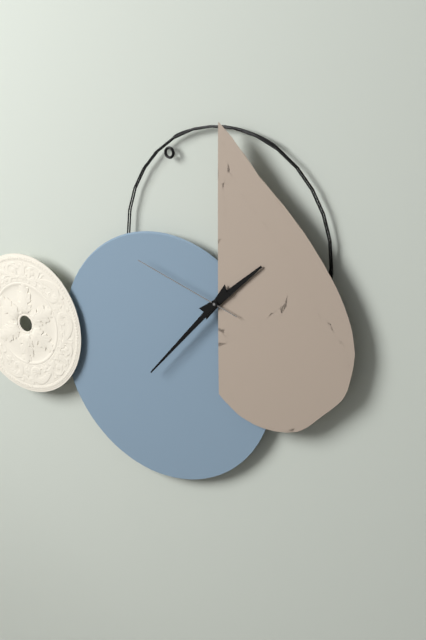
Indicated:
1:37:48
